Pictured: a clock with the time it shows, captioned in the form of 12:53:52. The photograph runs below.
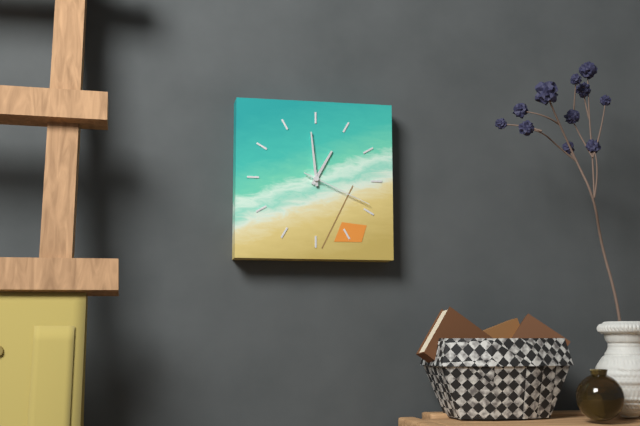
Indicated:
12:59:19
